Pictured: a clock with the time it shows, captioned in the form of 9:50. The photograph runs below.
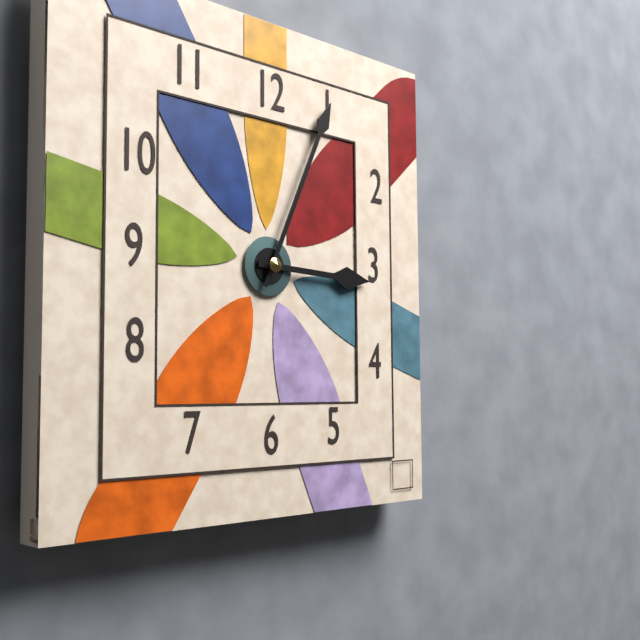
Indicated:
3:04
